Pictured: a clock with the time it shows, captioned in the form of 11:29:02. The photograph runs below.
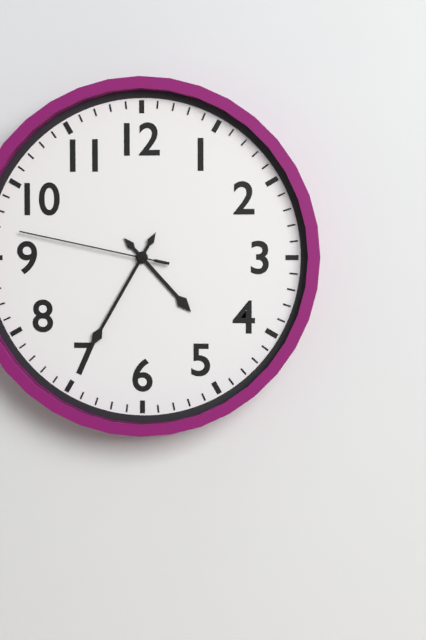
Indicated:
4:35:47
